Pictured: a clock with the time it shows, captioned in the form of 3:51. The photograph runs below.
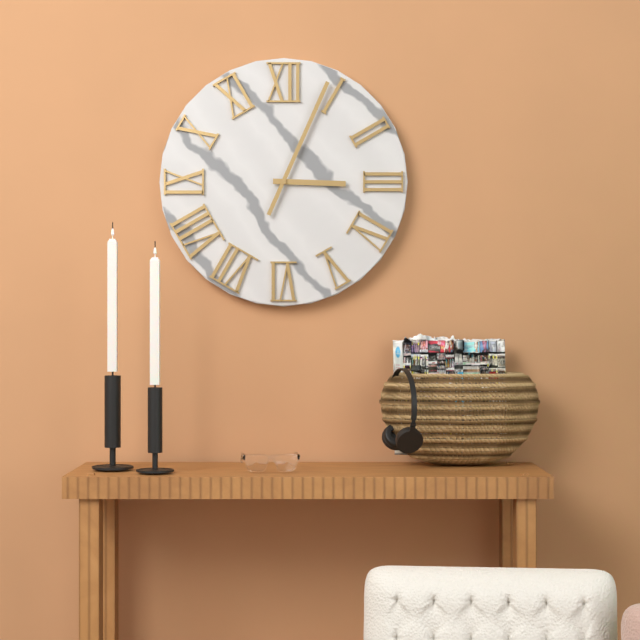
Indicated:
3:04
